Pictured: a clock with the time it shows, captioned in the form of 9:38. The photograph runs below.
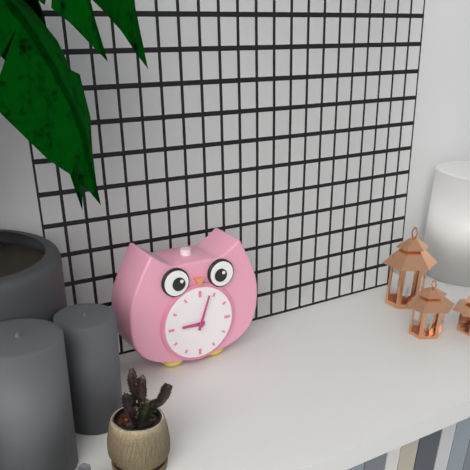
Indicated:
9:03
